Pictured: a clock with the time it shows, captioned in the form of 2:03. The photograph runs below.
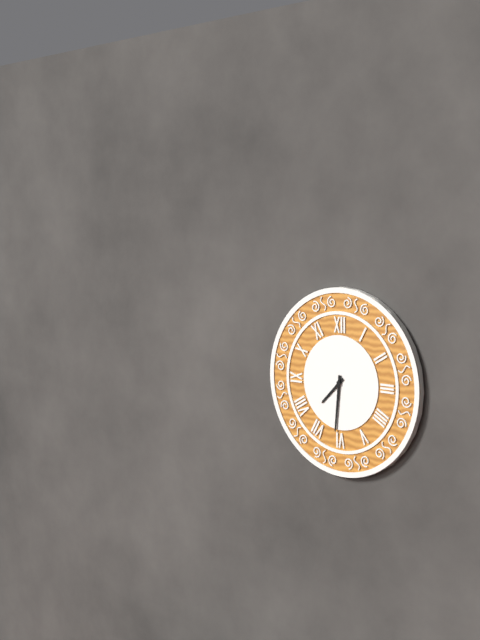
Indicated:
7:31
